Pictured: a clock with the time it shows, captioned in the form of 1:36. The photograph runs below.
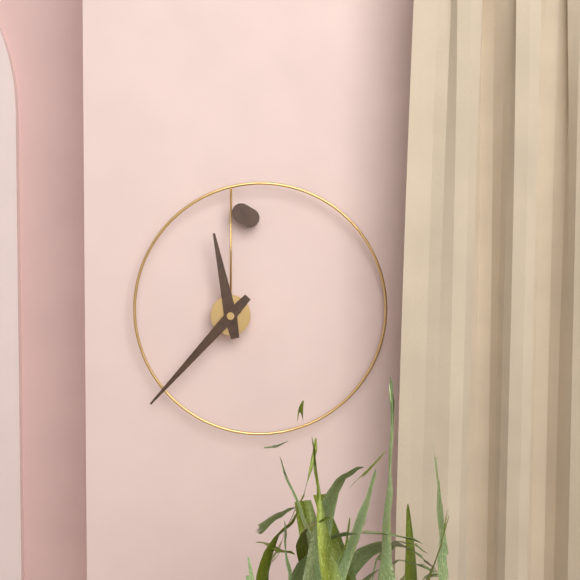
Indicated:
11:37
